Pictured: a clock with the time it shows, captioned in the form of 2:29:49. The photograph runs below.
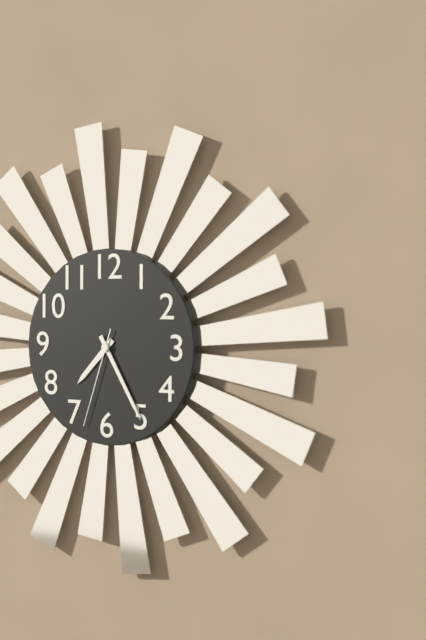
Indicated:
7:25:33
